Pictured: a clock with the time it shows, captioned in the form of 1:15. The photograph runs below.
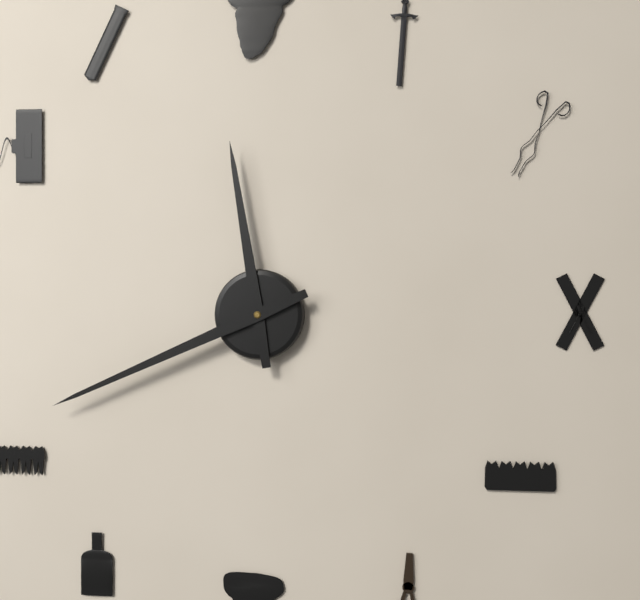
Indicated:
11:41
